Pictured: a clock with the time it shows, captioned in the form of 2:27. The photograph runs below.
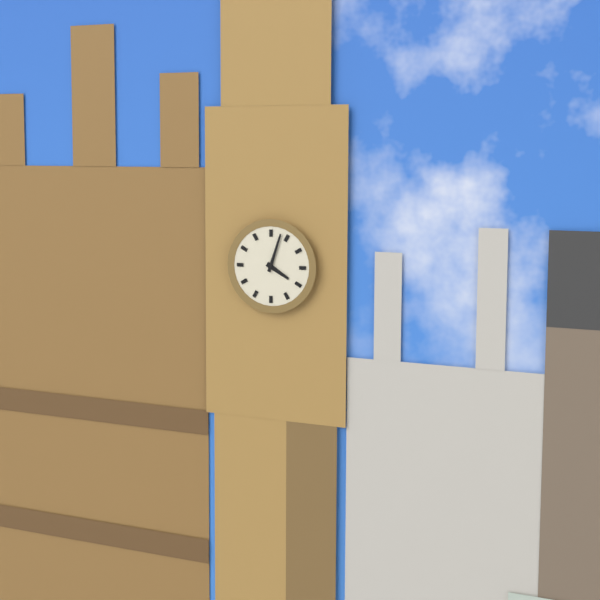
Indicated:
4:03
